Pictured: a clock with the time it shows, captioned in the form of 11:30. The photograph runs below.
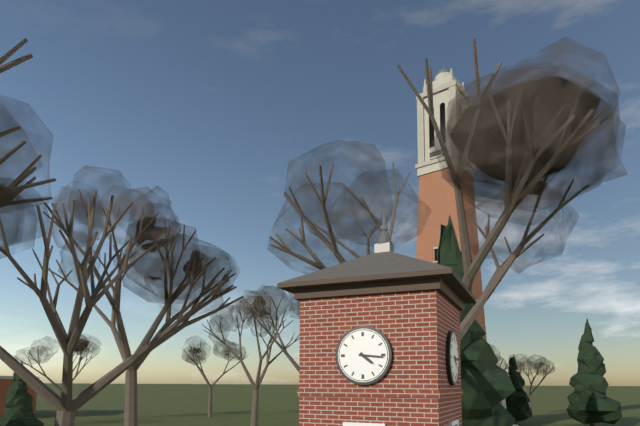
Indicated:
4:16
